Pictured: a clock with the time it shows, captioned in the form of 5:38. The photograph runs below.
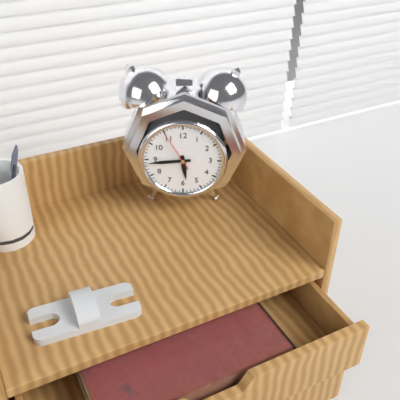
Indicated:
5:44
